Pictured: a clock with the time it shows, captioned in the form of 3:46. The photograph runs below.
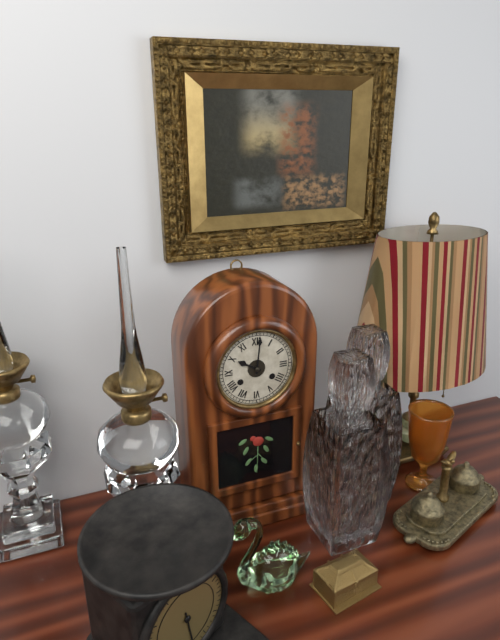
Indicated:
10:01
